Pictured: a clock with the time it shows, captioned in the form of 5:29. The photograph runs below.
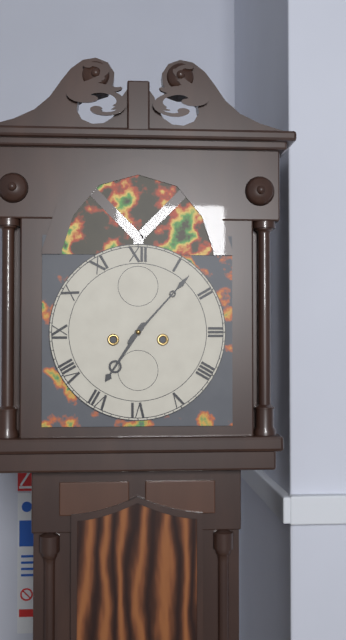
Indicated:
7:07
